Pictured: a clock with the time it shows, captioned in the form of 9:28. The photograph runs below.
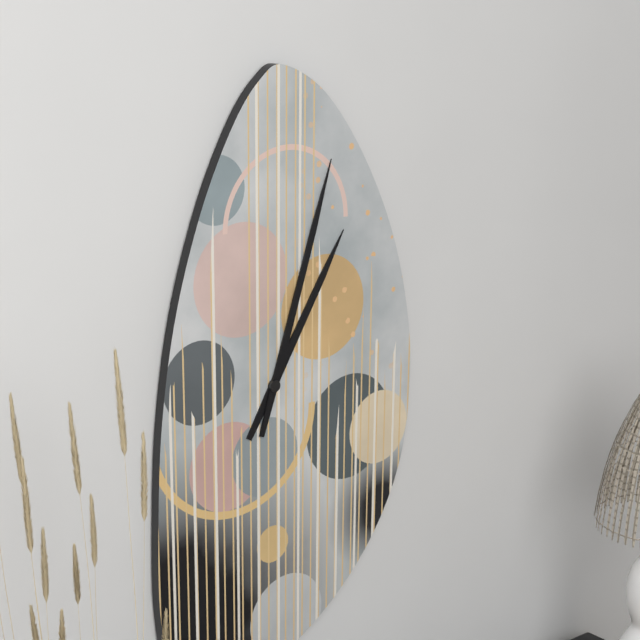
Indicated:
1:03
